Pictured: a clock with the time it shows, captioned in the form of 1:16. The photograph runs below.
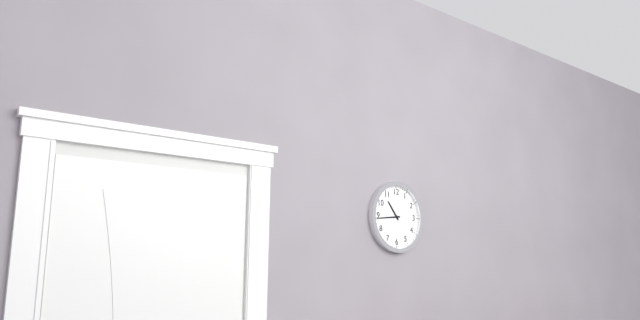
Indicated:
10:44
